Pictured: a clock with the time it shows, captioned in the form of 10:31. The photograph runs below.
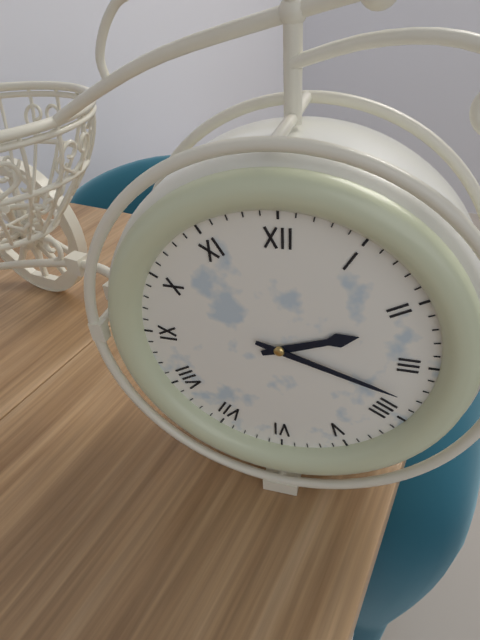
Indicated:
2:18
